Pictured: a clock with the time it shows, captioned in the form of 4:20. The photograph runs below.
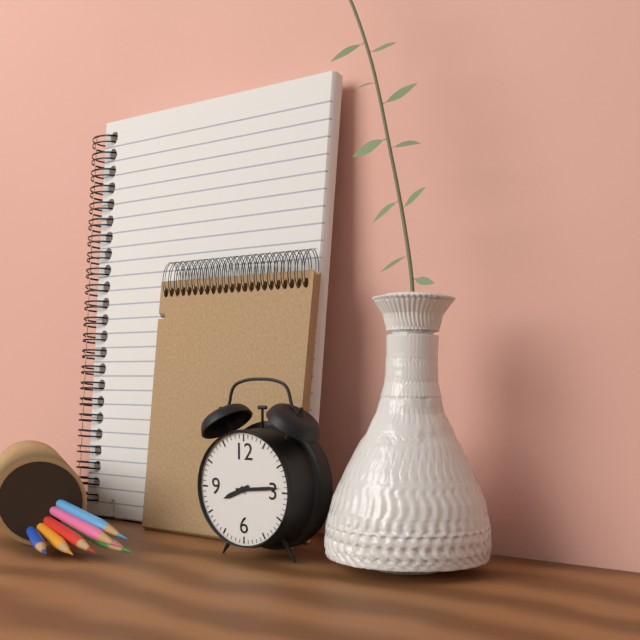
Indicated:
8:14
